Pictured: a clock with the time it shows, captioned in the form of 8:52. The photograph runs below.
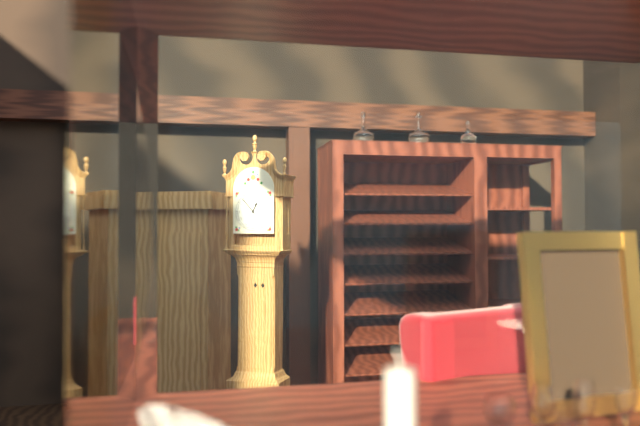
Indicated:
12:53
